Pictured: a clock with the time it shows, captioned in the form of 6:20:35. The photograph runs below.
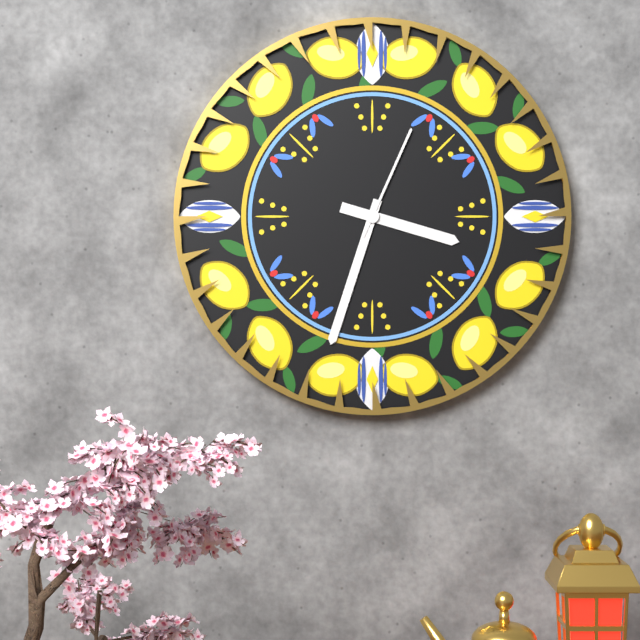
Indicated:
3:33:04
